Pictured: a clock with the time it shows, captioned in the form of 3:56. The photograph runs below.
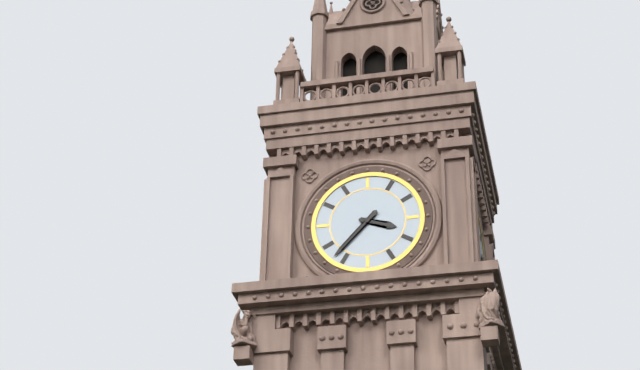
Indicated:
3:37
